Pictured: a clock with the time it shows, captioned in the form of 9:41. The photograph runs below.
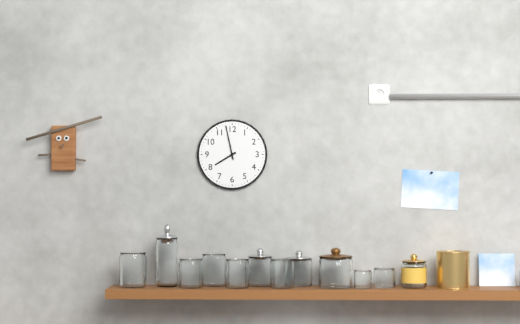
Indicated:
7:58
